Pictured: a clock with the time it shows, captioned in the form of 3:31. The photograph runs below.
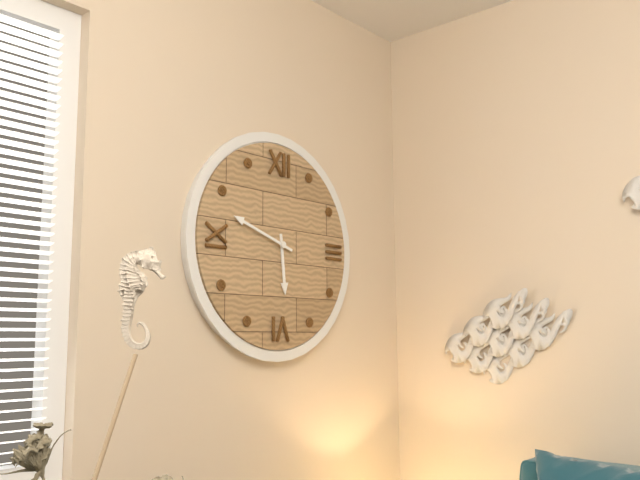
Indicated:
5:48
